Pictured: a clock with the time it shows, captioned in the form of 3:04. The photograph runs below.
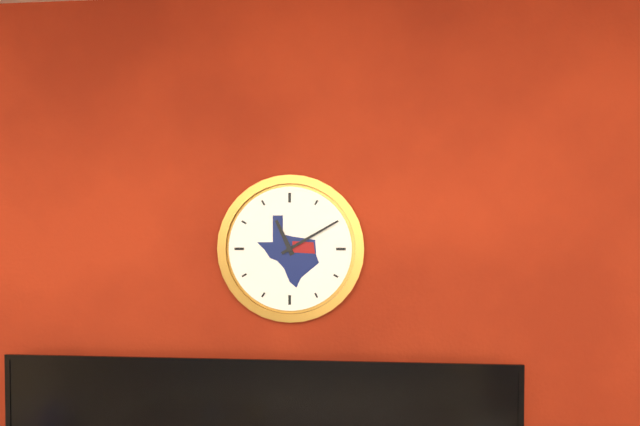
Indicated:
11:10
